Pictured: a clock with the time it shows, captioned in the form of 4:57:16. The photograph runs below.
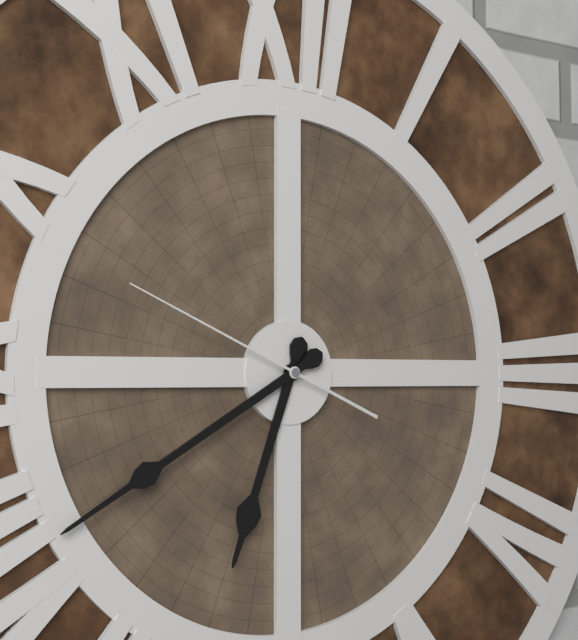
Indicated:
6:40:49
